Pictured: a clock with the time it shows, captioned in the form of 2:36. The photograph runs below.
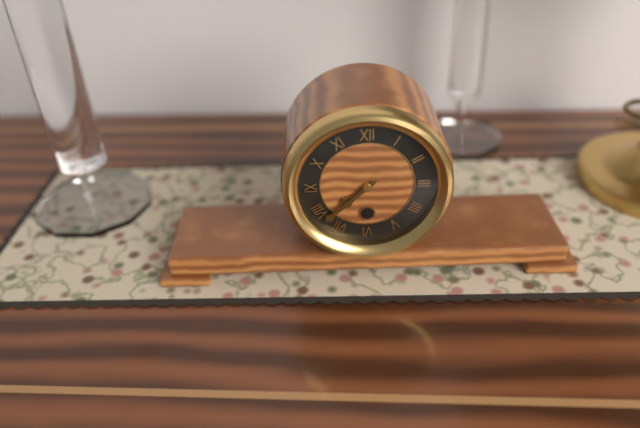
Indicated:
7:38
